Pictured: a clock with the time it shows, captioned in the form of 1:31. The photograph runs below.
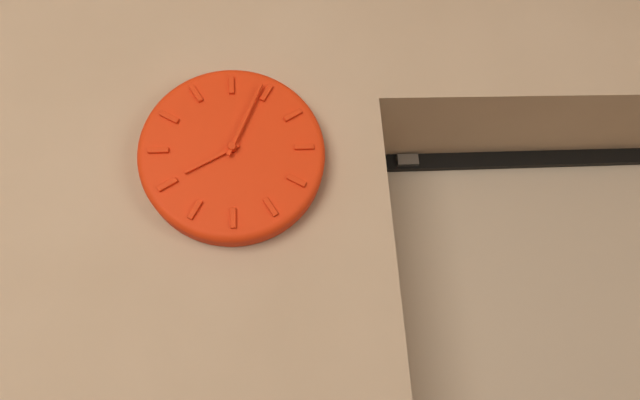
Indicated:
8:04
